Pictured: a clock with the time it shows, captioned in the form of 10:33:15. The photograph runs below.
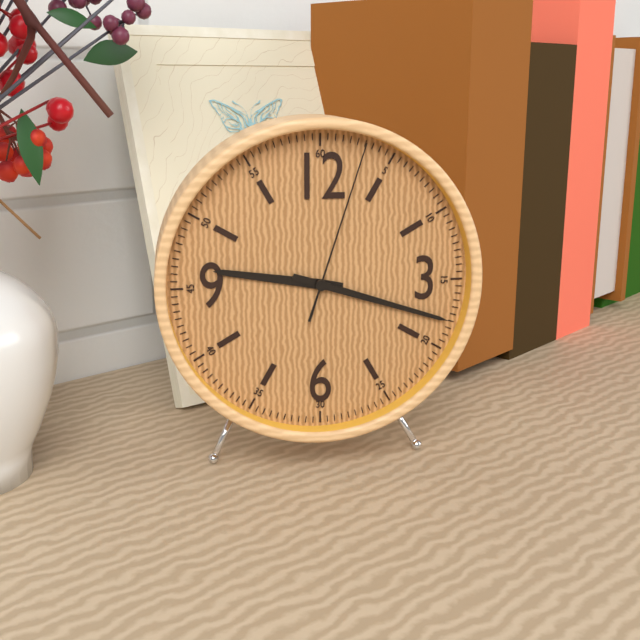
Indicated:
9:18:03
